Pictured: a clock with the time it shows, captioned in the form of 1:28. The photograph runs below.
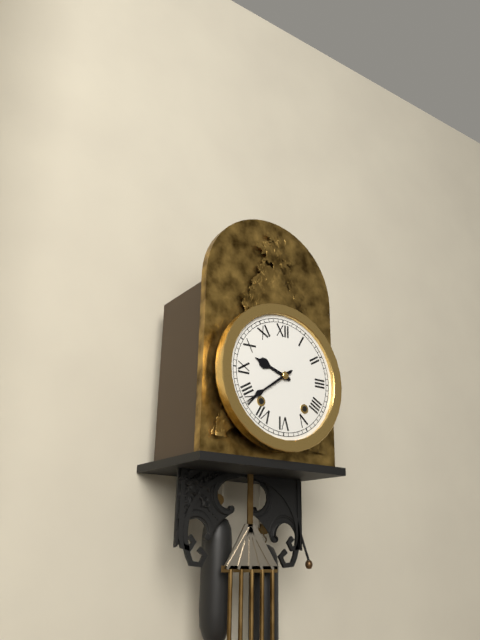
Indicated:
9:39
